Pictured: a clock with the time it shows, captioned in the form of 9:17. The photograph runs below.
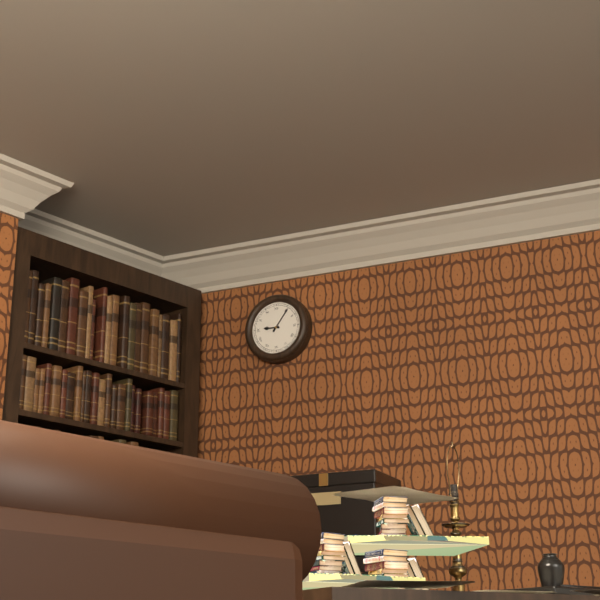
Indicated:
9:06
